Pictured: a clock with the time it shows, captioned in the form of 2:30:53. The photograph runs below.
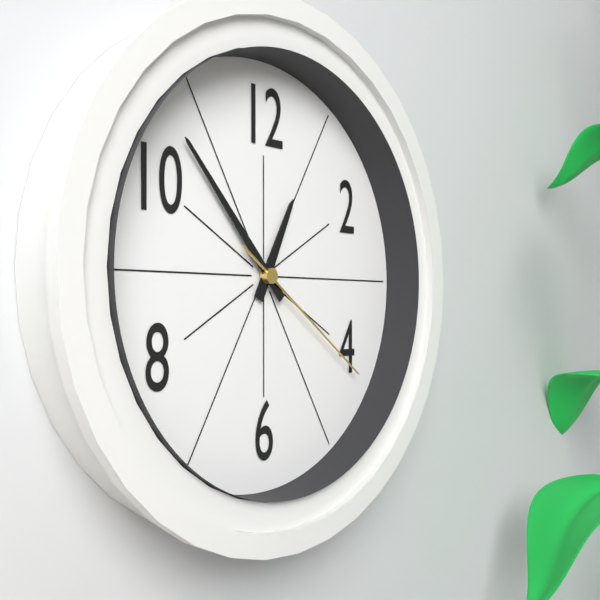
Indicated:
12:53:21
